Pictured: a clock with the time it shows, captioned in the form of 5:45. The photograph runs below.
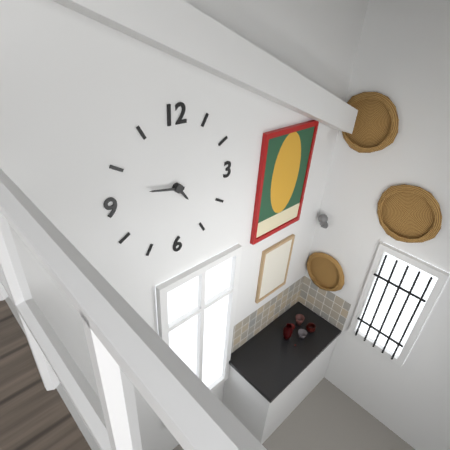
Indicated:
4:47
